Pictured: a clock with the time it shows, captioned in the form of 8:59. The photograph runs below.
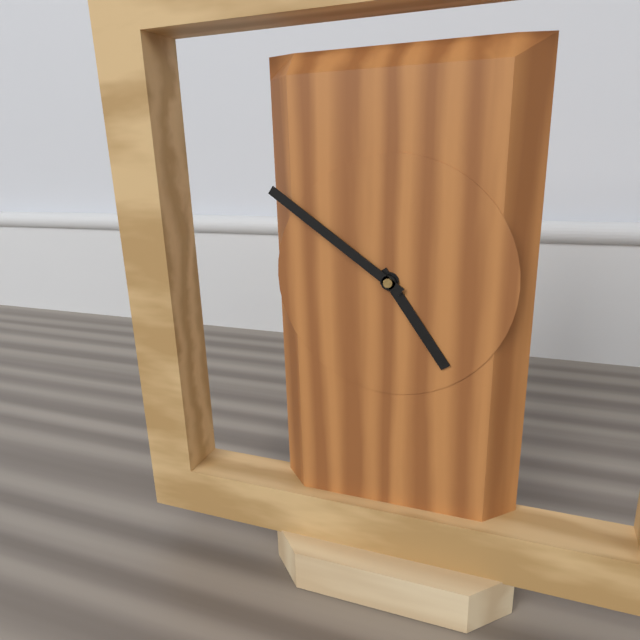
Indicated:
4:51
